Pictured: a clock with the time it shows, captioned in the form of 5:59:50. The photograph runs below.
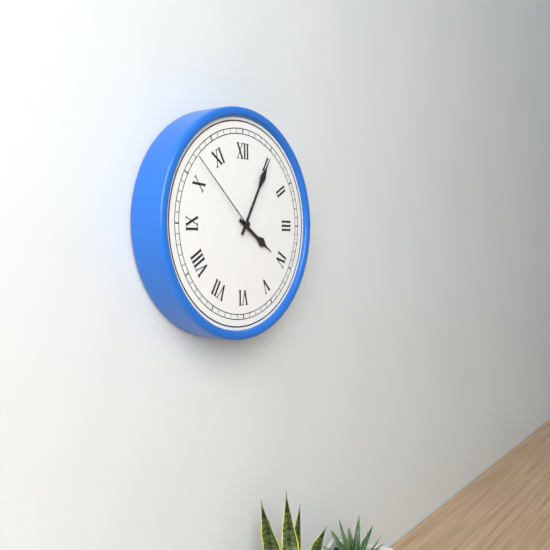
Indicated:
4:05:52
